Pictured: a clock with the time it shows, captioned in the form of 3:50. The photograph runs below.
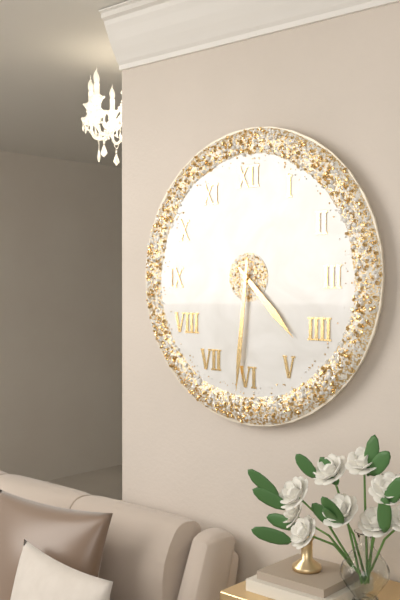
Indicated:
4:31
